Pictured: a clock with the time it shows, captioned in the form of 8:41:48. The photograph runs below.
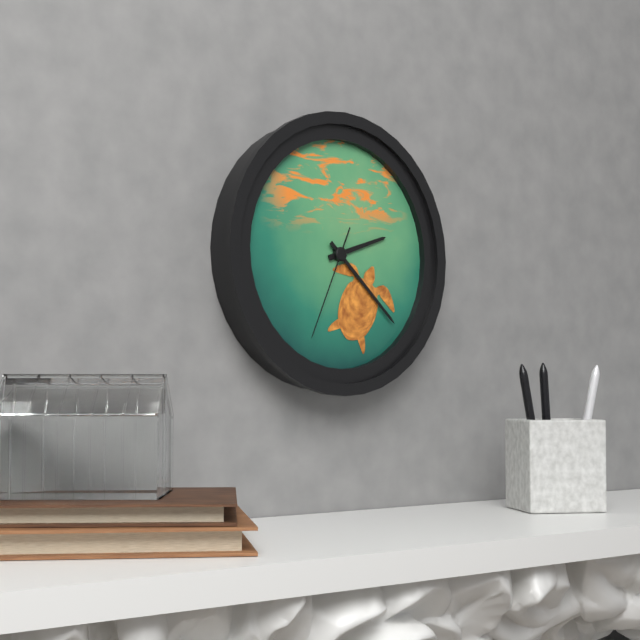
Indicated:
2:22:34
